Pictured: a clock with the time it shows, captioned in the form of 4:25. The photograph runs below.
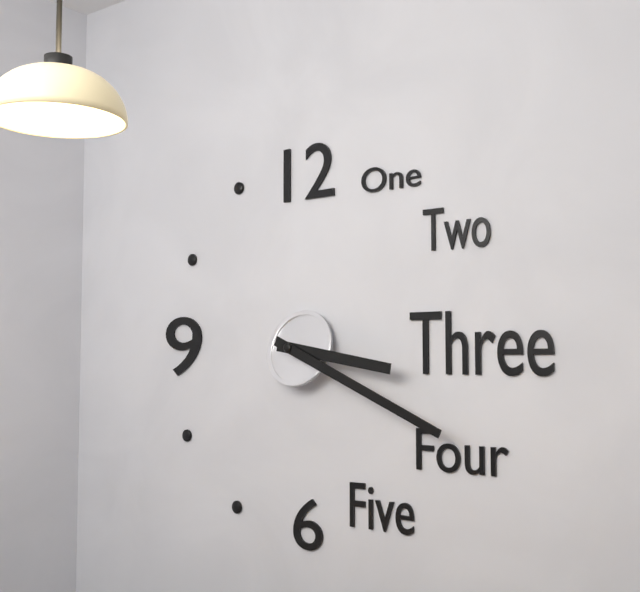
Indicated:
3:19
